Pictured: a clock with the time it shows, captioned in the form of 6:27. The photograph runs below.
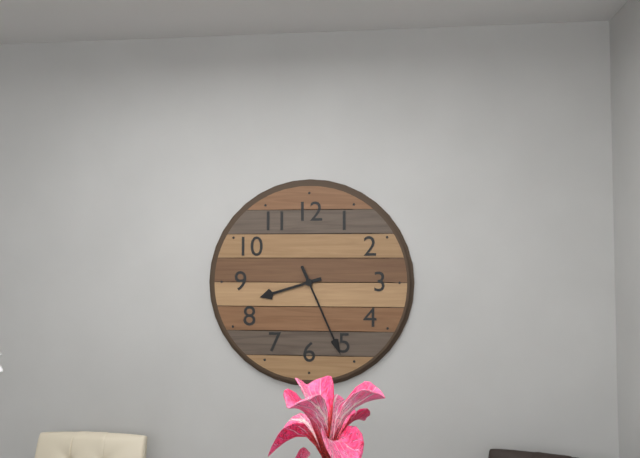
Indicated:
8:26
